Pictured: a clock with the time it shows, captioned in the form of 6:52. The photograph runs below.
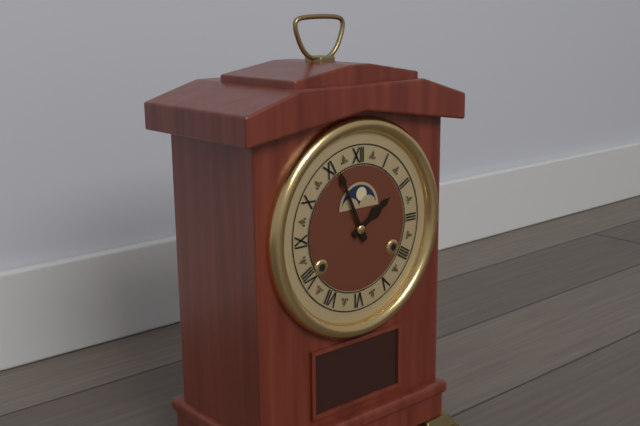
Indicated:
1:56
